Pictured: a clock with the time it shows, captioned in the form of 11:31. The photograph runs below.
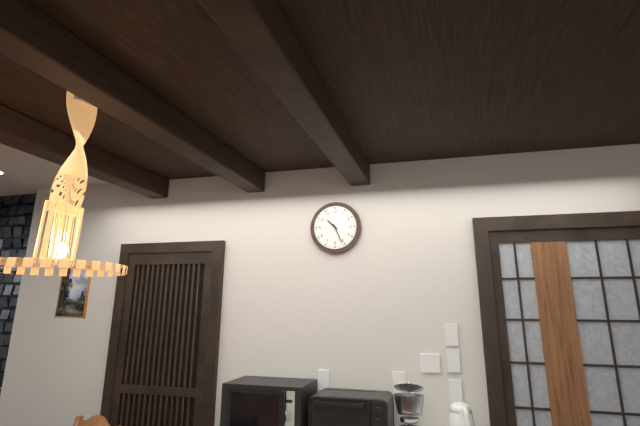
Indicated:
10:26
